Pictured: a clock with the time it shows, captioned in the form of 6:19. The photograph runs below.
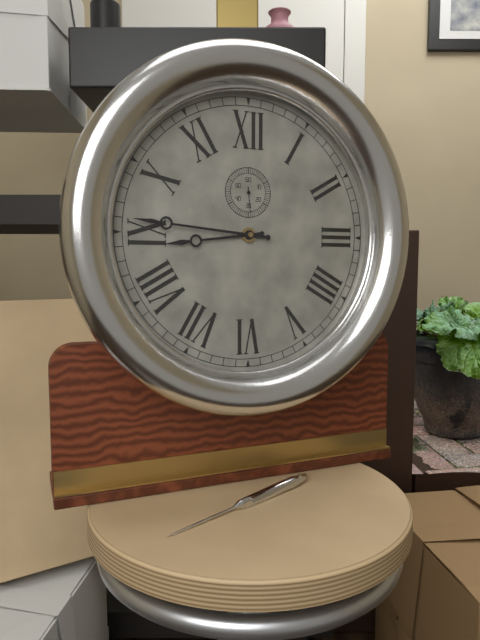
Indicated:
8:46
